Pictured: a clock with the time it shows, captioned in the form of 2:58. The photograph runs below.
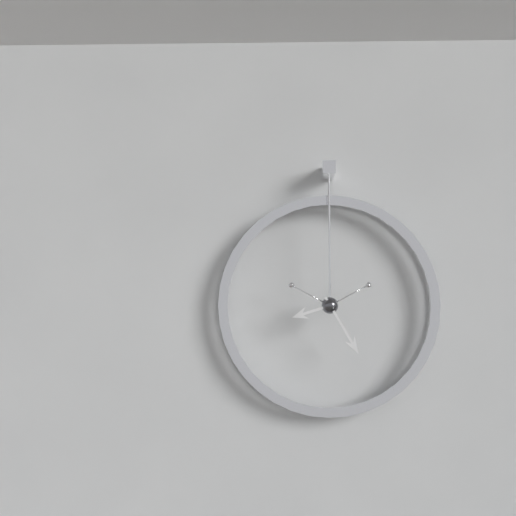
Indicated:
8:25
